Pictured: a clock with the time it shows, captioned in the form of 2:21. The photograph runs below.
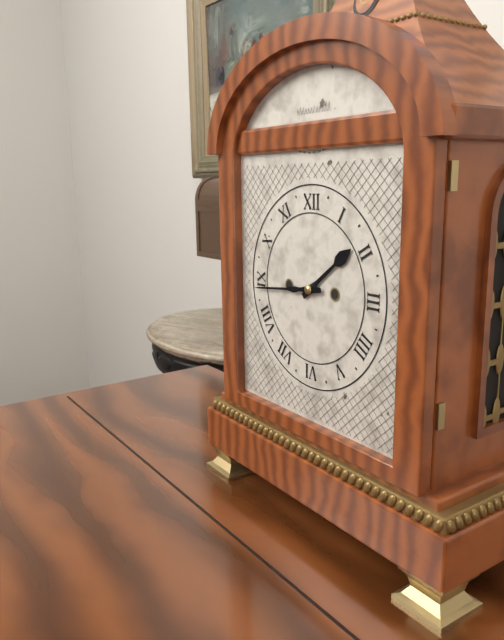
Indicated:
1:44
